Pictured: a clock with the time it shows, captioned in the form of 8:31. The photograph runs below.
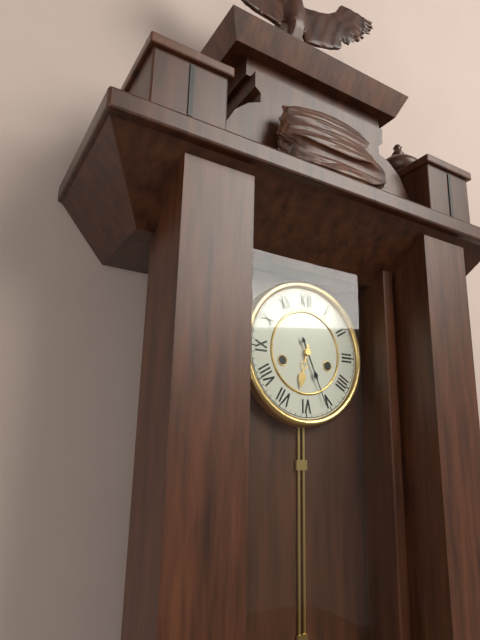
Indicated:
6:26
